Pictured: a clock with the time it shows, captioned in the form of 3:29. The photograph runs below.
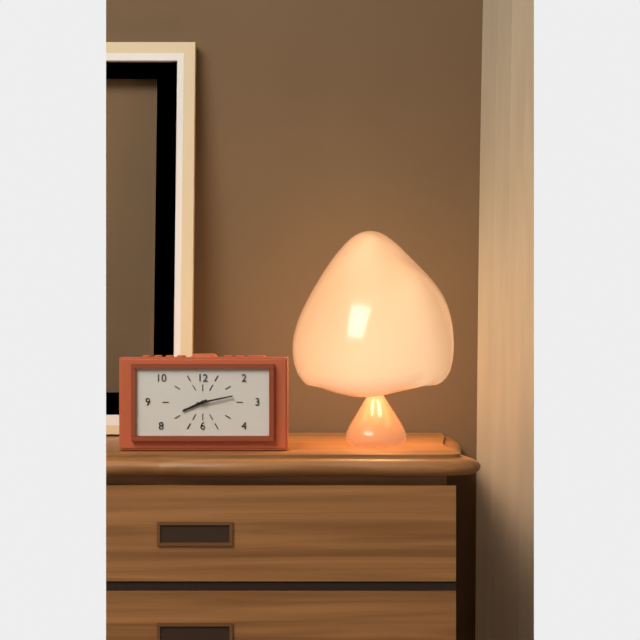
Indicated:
8:13
